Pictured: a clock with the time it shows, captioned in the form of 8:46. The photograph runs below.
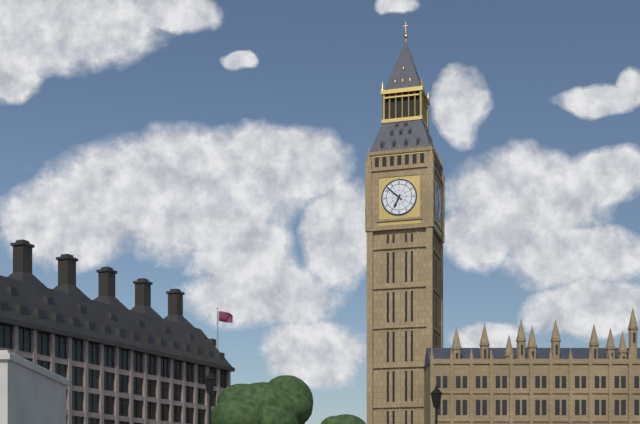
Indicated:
6:52
